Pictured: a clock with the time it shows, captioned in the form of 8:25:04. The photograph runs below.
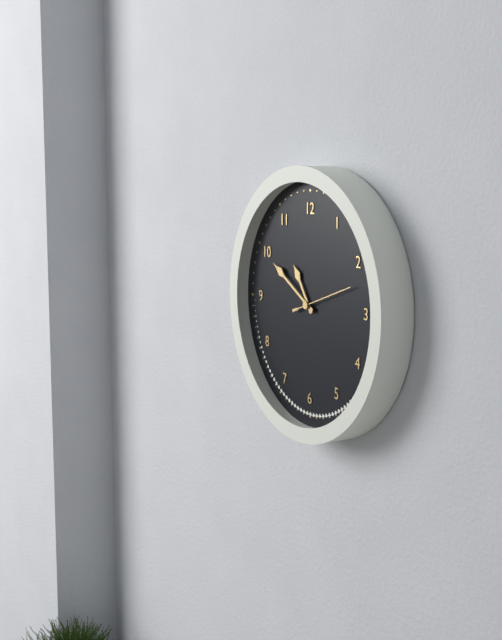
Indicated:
10:50:12
